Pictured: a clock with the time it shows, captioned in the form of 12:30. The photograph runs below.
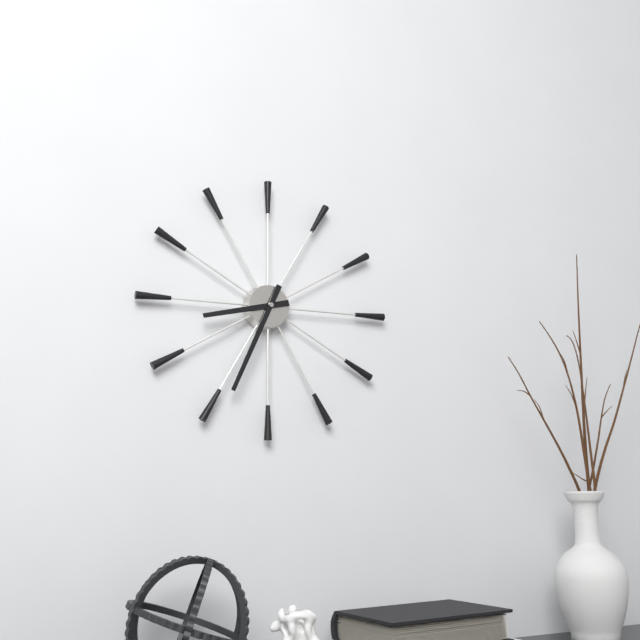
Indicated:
8:34
